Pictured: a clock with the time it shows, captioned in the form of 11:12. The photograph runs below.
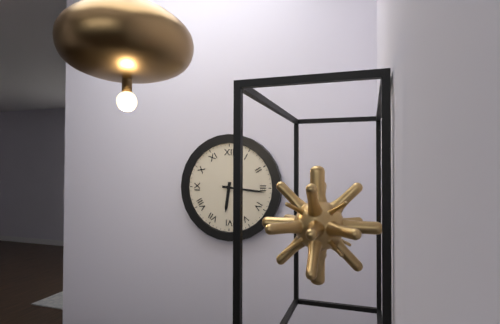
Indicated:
6:16
